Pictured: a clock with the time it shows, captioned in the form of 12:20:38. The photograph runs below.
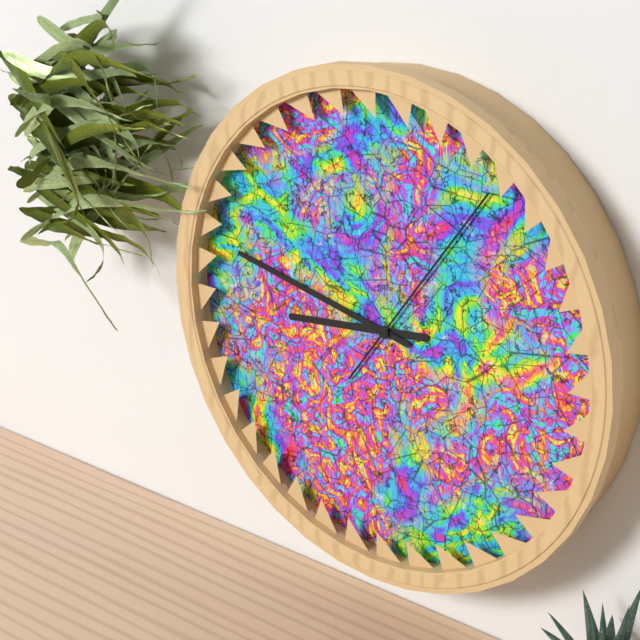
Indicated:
8:47:06
